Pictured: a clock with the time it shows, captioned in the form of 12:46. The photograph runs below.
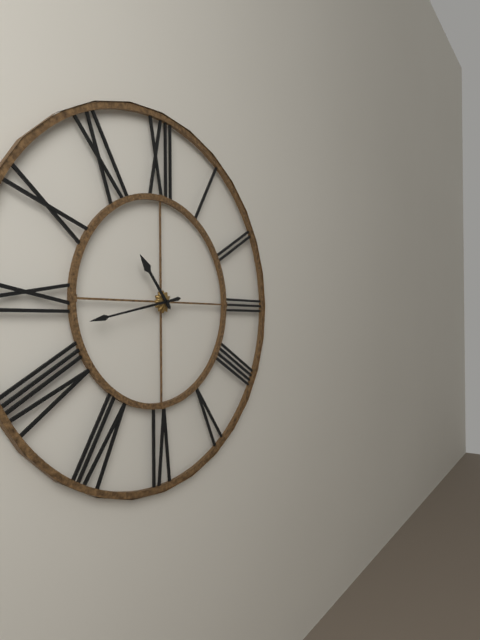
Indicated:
10:43
